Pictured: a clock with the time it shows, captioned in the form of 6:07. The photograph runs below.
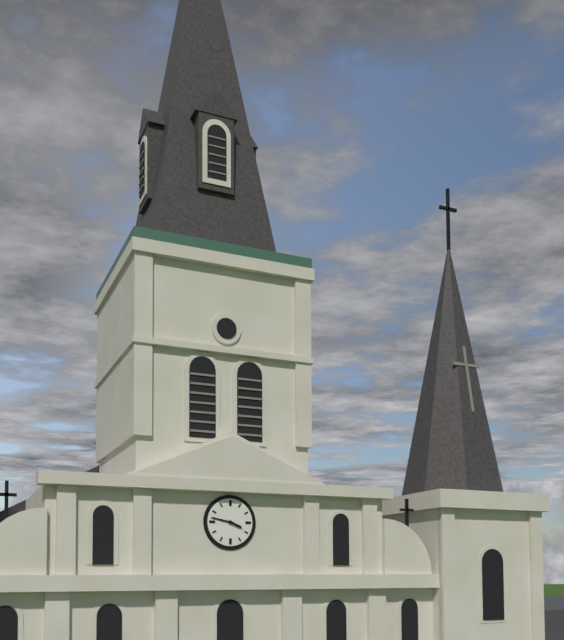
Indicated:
3:47
